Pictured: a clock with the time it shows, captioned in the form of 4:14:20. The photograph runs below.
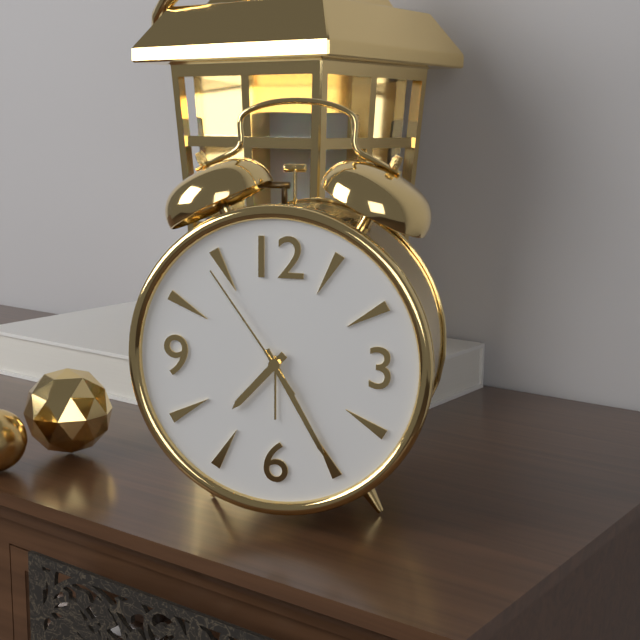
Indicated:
7:25:54
